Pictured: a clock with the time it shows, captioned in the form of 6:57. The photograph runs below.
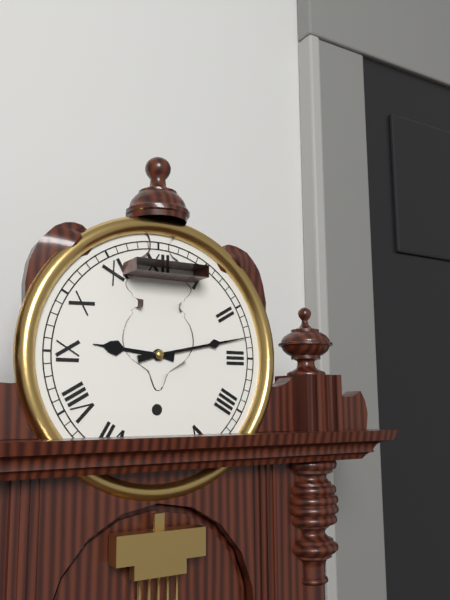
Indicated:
9:13
